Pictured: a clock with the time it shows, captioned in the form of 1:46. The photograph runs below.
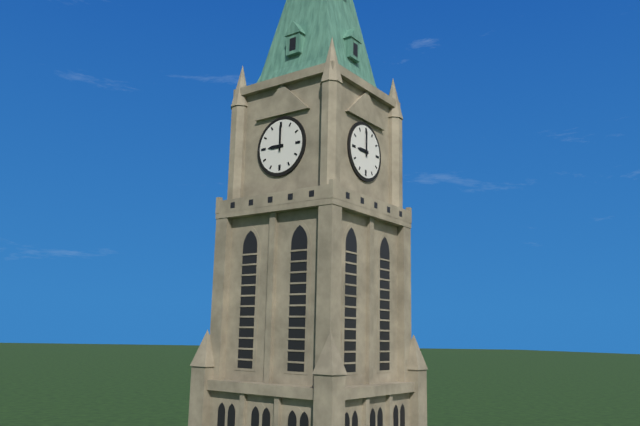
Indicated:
9:00
